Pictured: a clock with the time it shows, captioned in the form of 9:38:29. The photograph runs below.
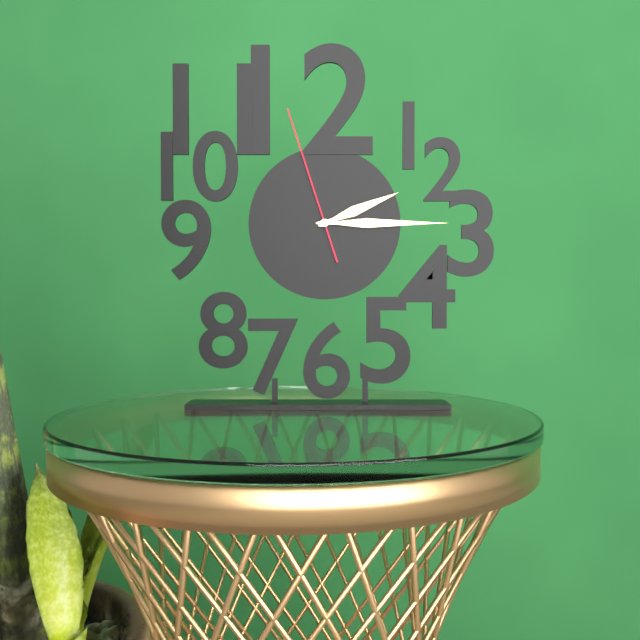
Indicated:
2:15:57
